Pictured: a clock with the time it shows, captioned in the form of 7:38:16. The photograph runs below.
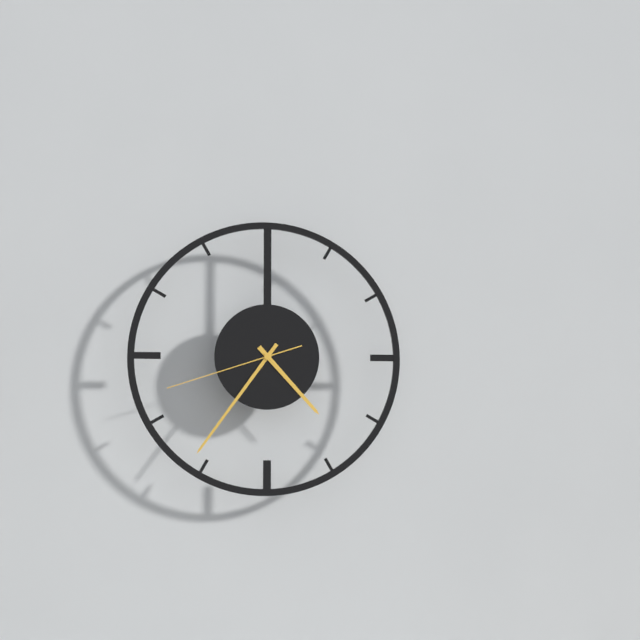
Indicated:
4:36:42
